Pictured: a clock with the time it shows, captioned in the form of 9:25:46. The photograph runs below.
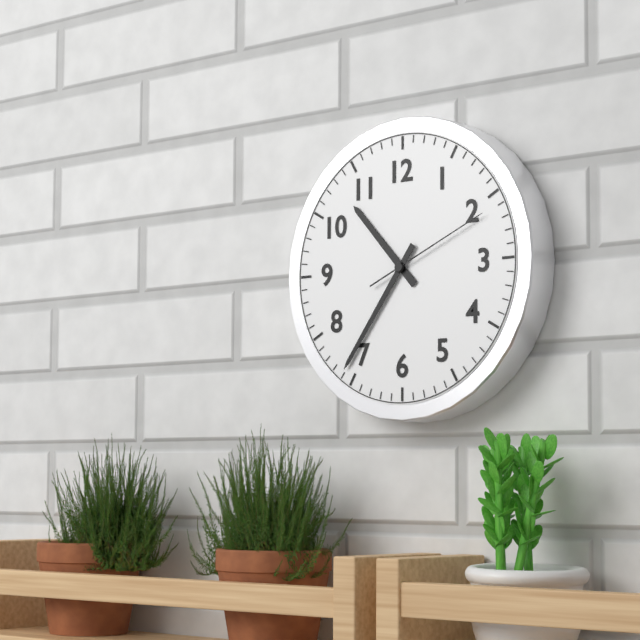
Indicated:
10:36:11
